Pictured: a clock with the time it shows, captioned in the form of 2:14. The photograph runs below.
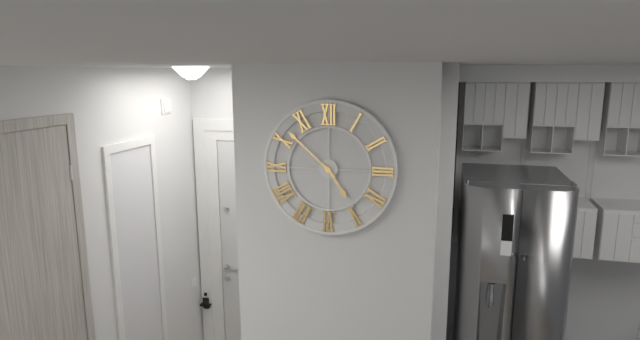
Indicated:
4:52
